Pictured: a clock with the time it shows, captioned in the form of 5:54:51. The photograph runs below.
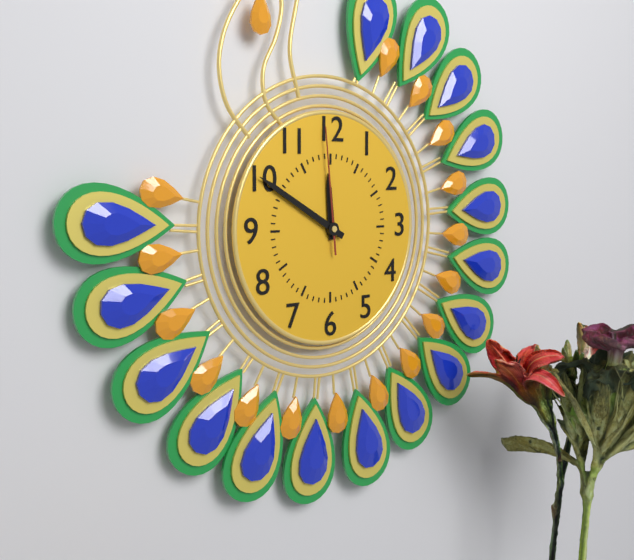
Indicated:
11:50:59
